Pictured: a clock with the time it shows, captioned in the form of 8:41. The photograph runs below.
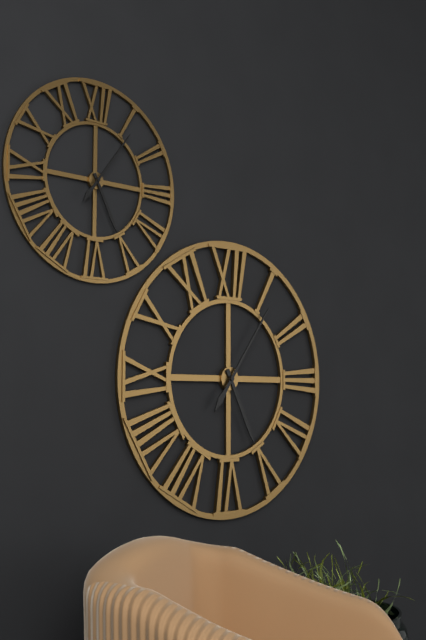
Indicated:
5:06
